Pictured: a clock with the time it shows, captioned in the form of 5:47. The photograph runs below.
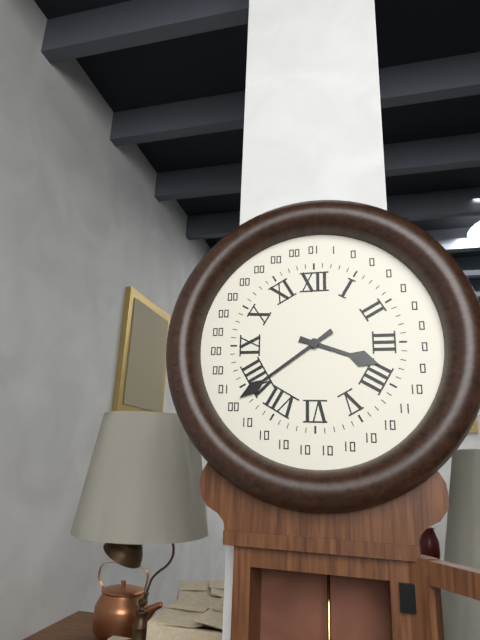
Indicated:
3:39
